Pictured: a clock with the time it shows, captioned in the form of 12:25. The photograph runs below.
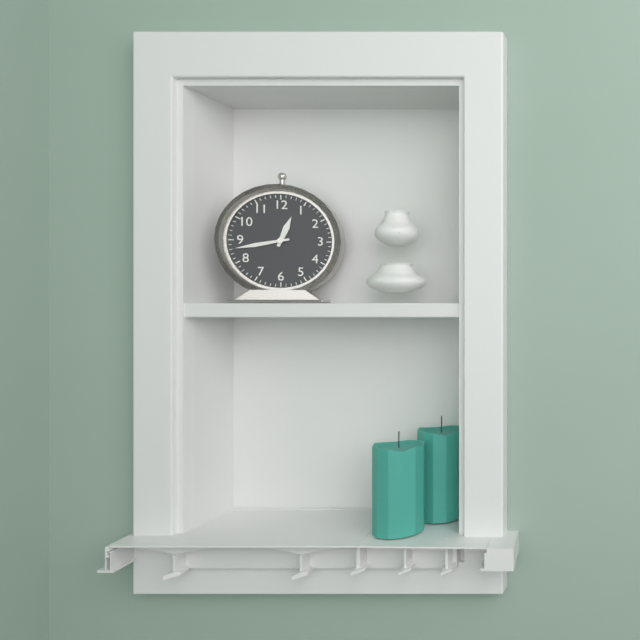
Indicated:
12:43
